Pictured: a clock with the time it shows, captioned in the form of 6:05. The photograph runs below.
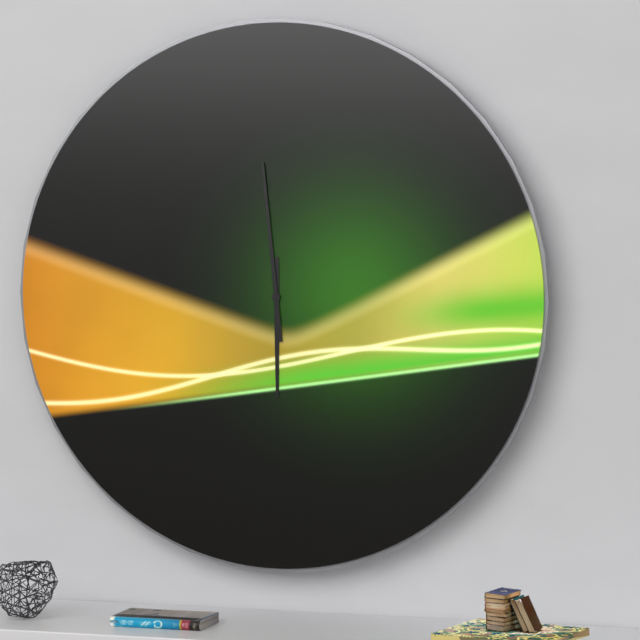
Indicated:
5:59
